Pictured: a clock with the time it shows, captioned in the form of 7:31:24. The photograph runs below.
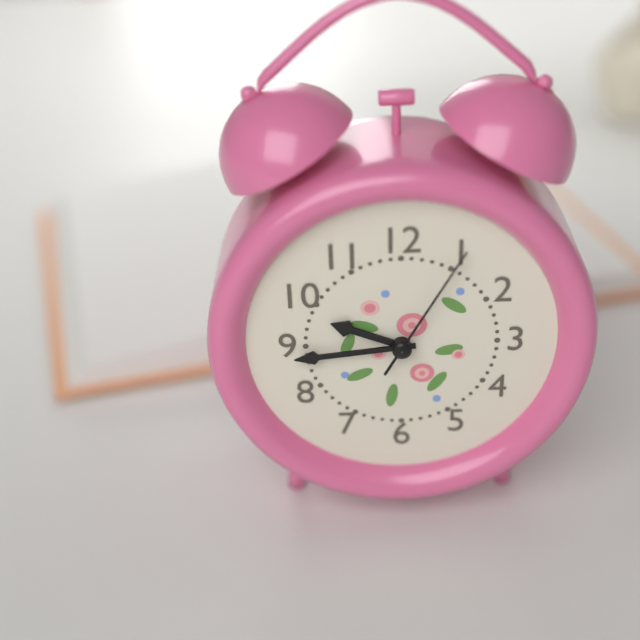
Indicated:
9:44:05
